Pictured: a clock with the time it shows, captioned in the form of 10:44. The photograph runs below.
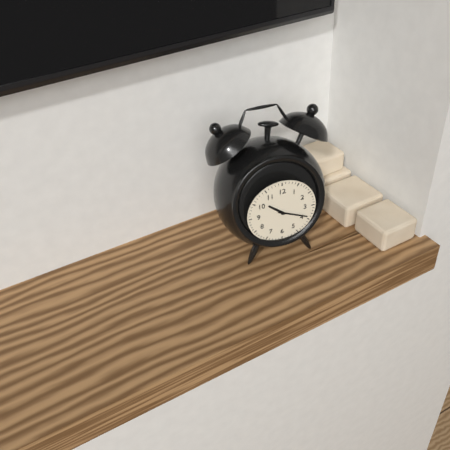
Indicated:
10:19
